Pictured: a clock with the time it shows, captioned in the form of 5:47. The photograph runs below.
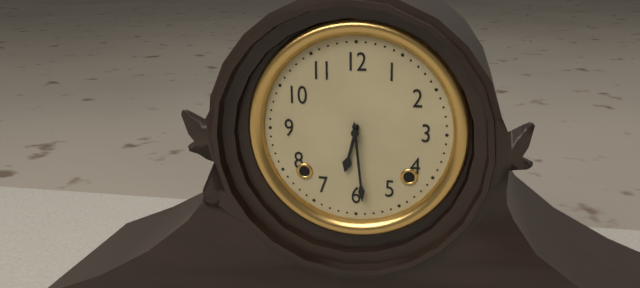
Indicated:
6:29
